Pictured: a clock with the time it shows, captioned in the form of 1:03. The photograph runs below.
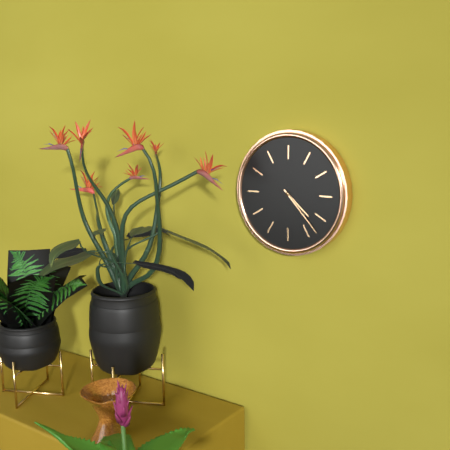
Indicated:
4:23
